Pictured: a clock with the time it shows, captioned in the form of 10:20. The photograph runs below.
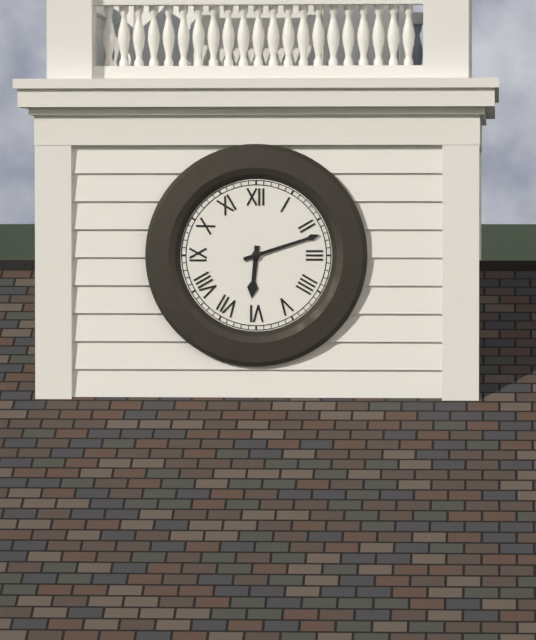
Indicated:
6:12
